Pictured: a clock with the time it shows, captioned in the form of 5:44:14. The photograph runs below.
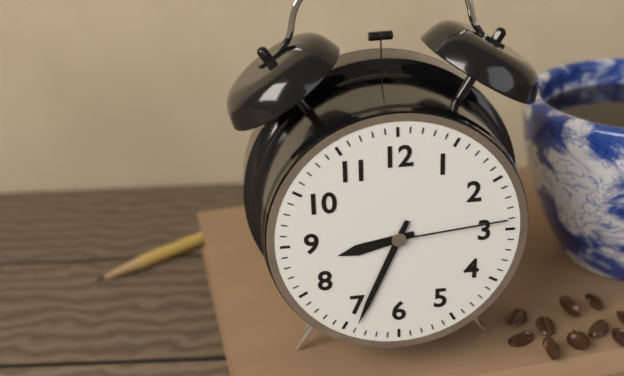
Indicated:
8:34:14
